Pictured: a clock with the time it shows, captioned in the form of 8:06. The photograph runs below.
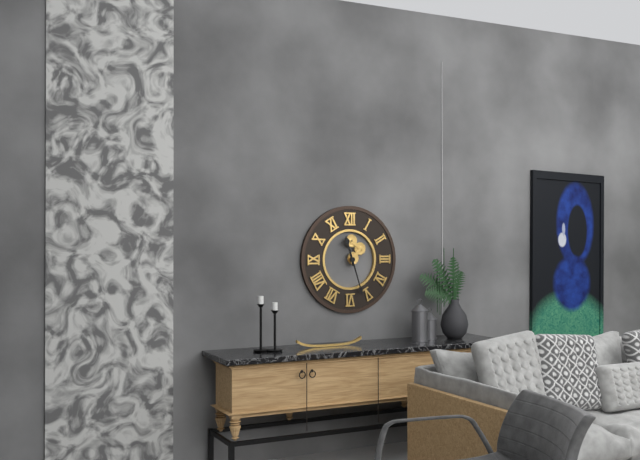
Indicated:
11:27
